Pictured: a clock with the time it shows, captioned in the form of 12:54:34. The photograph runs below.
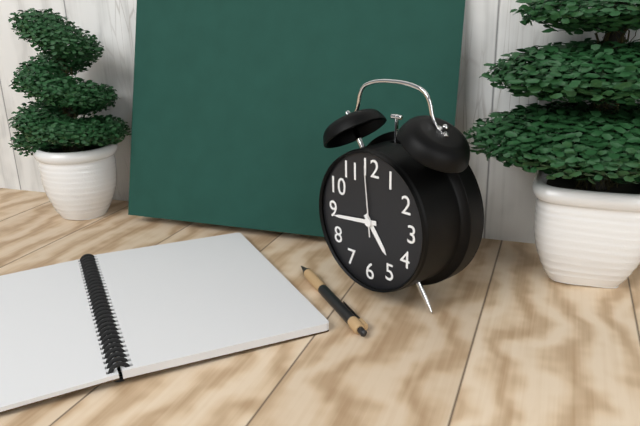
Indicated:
4:44:59
